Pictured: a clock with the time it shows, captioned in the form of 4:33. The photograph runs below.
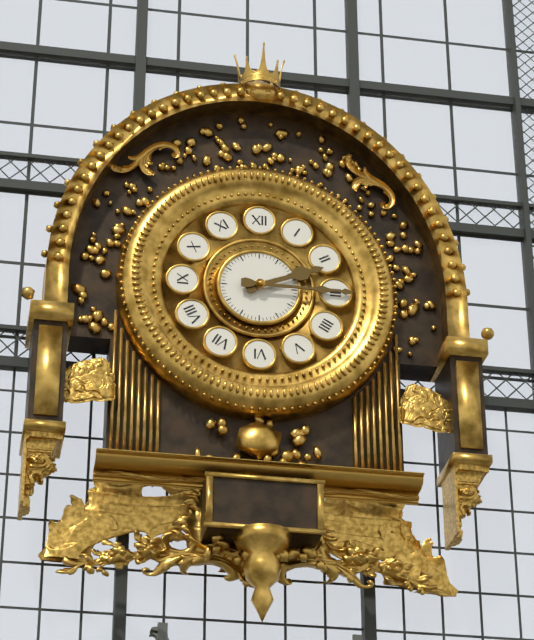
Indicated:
2:15
